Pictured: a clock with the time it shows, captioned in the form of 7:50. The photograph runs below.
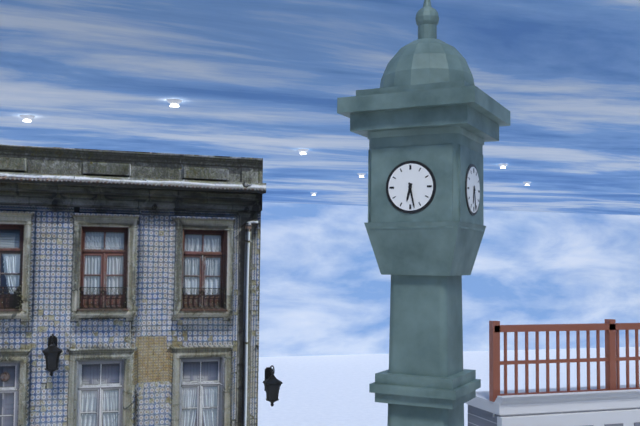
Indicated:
6:28
